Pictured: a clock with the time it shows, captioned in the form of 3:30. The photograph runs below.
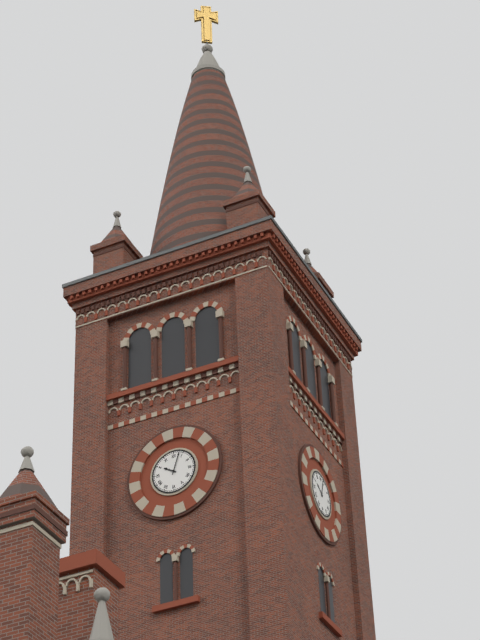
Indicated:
10:03
